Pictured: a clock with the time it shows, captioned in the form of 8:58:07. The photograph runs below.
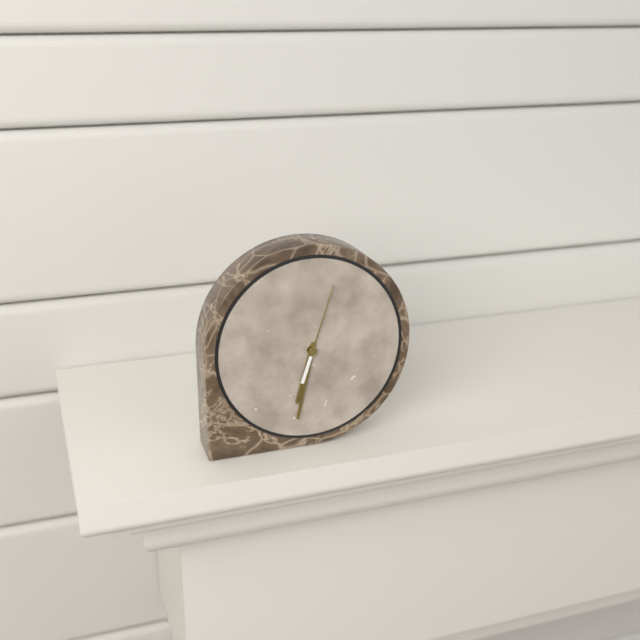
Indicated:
6:32:03
